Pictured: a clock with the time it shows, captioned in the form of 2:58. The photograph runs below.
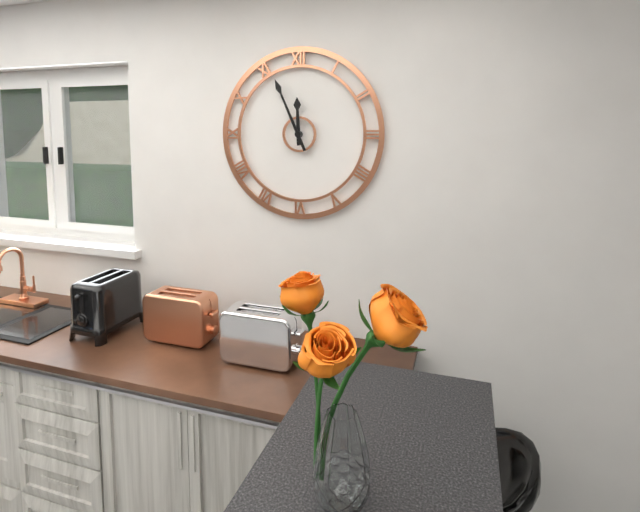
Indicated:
11:56
